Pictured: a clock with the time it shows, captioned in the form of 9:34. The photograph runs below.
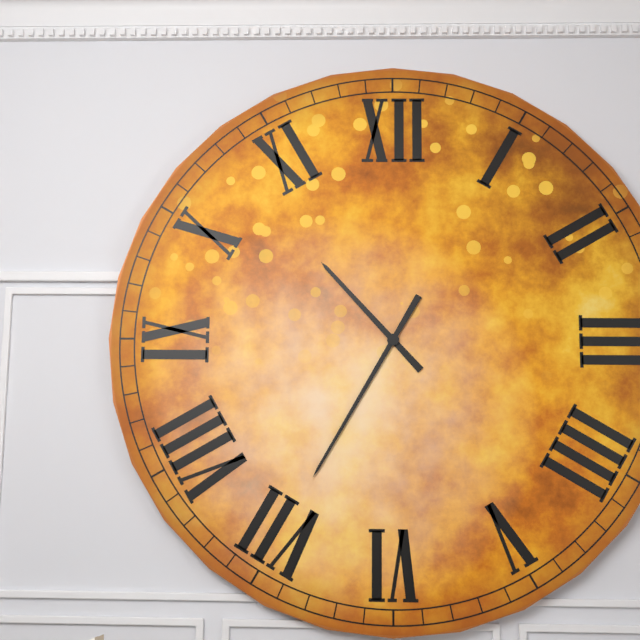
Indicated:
10:35
